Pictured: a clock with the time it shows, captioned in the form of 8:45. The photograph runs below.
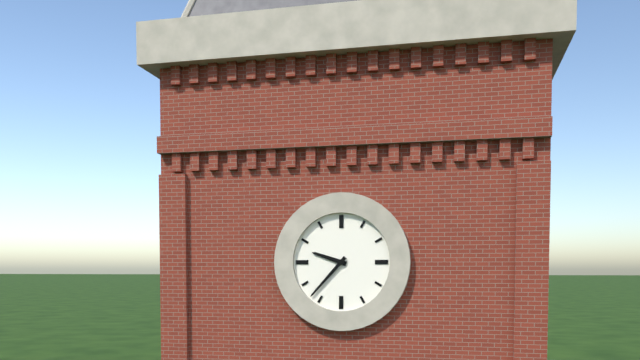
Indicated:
9:37
